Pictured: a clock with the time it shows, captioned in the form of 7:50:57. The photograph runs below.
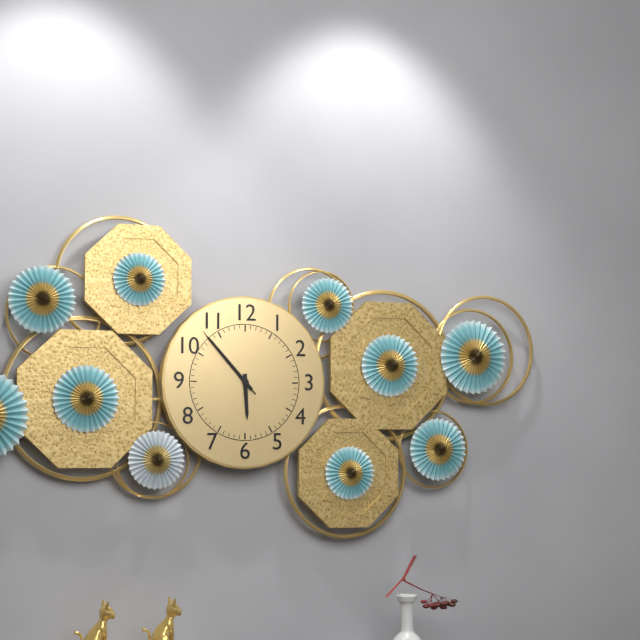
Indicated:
5:53:53
